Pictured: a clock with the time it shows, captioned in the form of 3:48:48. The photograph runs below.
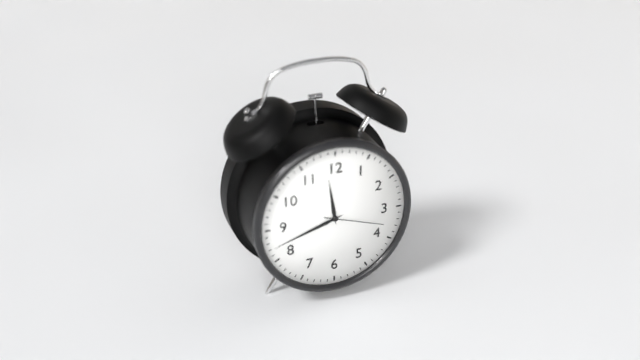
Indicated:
11:42:18
